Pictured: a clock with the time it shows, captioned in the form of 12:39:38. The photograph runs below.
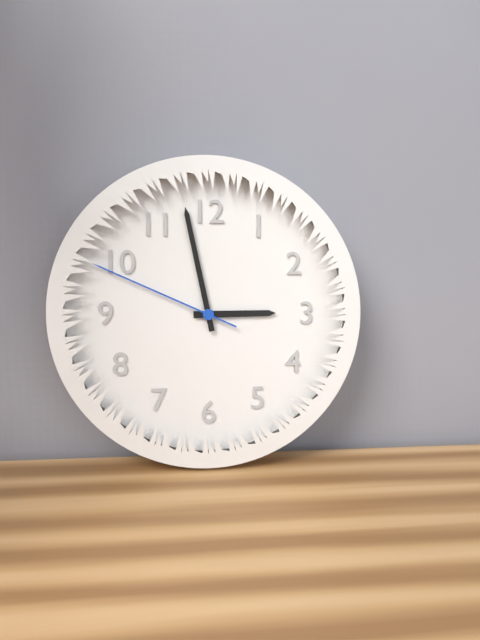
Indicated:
2:58:49
